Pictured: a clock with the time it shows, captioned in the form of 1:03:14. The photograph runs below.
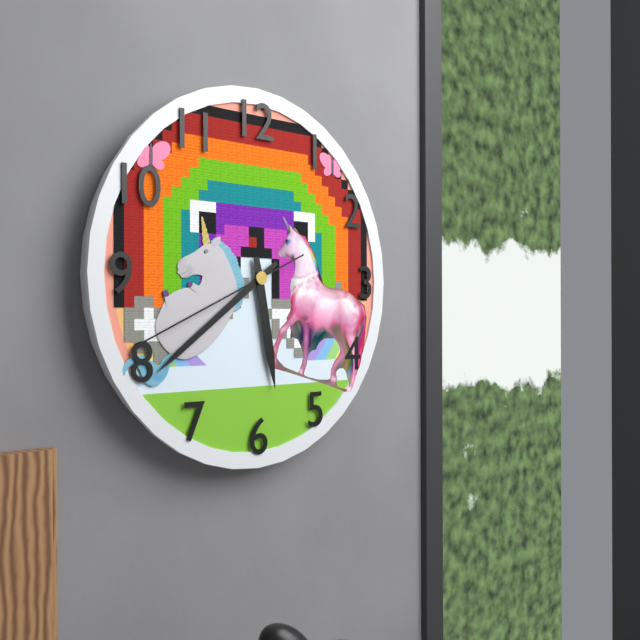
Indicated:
5:39:41
